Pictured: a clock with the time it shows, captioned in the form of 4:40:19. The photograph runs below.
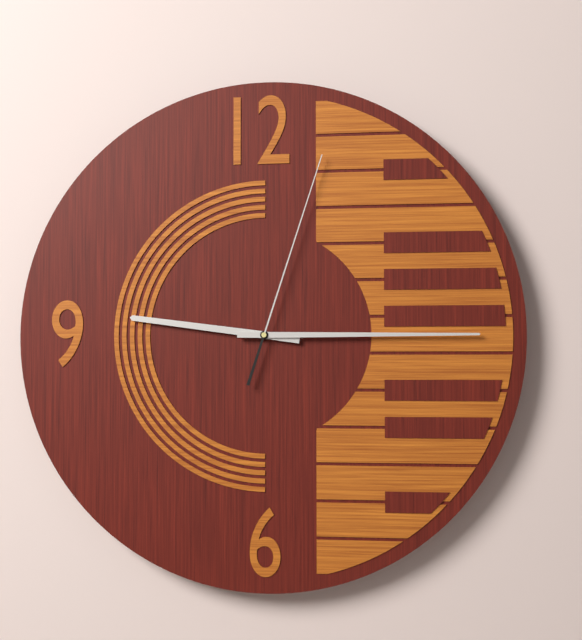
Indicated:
9:15:03
